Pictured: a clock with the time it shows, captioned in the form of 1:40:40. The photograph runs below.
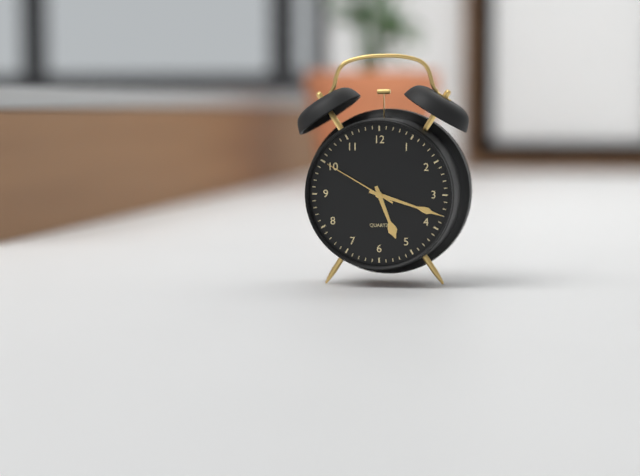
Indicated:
5:18:50
